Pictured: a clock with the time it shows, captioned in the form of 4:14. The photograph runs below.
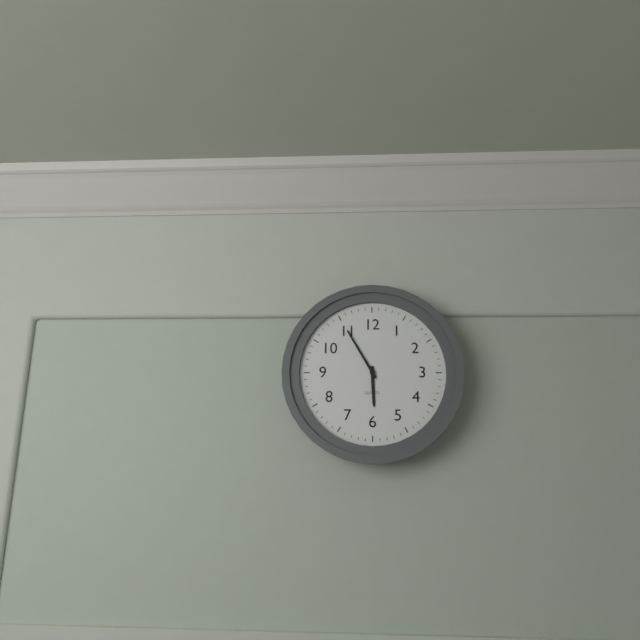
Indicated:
5:55
